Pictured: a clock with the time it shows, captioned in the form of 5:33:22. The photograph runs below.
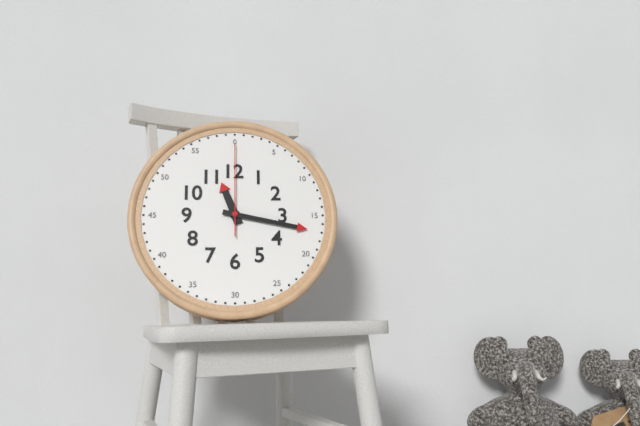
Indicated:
11:17:00
